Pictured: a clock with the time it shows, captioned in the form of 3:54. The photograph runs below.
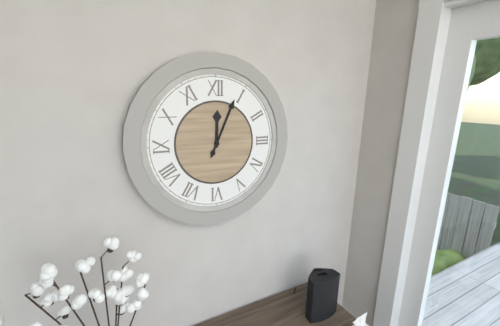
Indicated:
12:04
